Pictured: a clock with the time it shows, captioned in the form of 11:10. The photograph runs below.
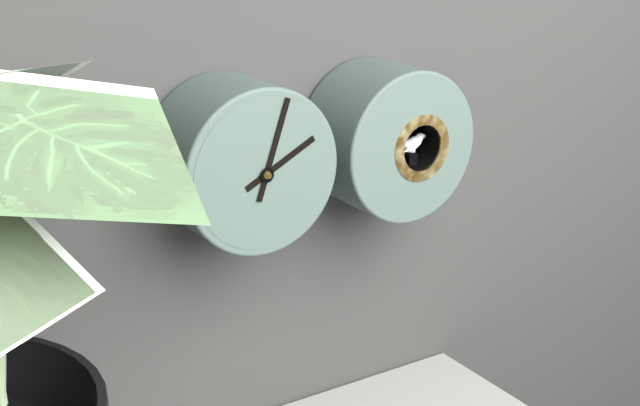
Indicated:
2:03
